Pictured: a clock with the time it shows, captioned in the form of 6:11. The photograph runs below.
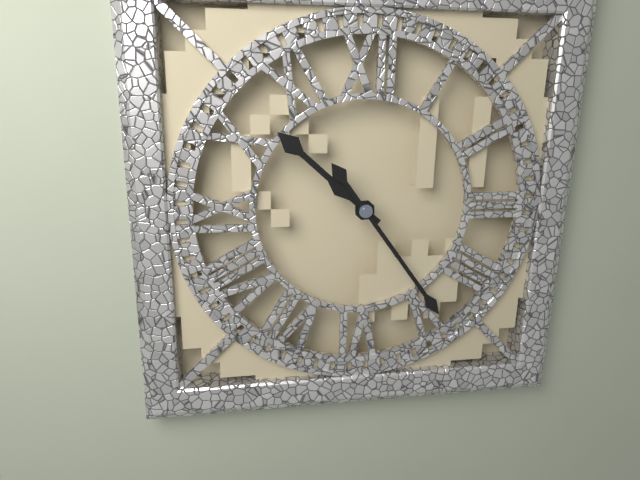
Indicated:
10:24
